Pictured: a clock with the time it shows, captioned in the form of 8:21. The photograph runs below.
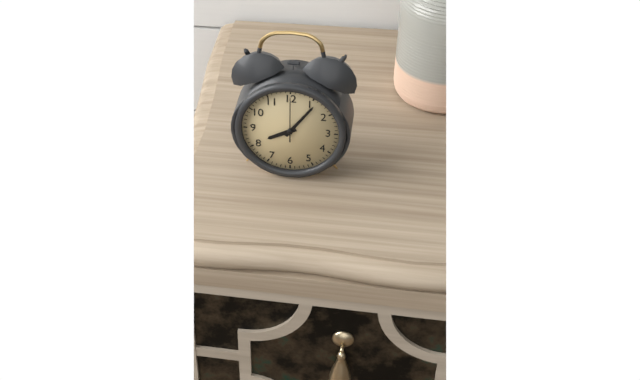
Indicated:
8:06
